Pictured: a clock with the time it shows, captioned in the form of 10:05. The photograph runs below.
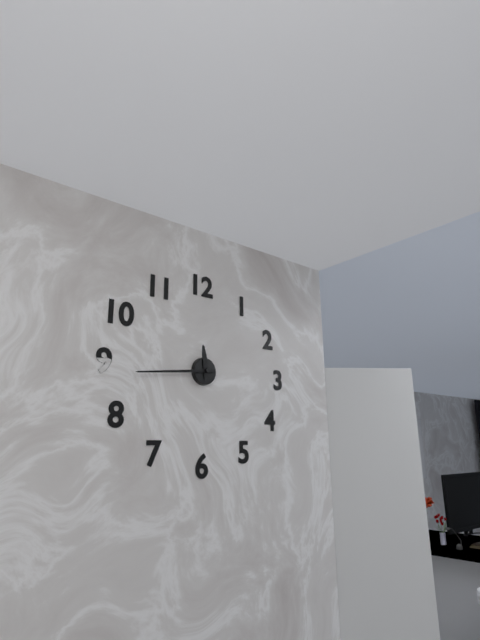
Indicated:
11:44
